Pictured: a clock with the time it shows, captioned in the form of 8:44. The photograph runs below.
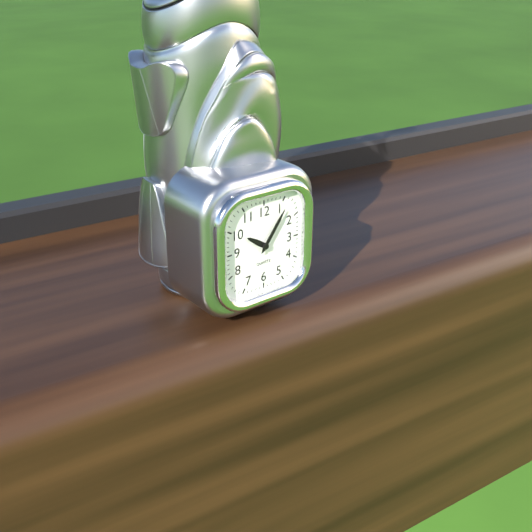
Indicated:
10:06
